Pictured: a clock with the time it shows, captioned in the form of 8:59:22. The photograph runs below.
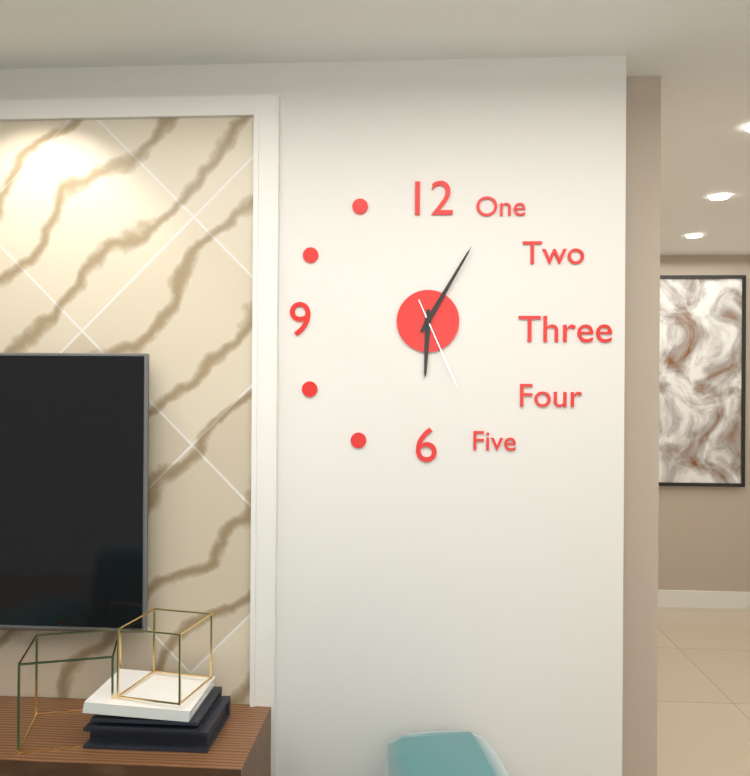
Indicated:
6:05:26
